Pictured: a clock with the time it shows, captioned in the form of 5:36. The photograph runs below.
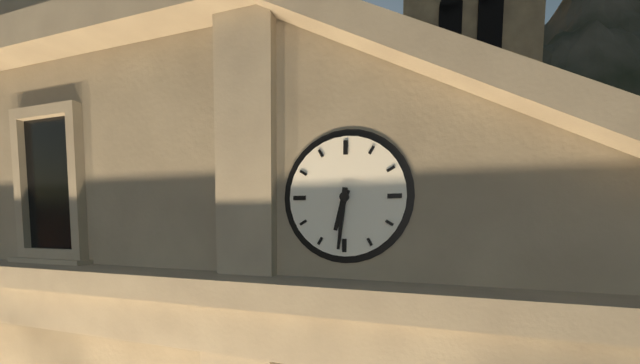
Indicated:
6:31
